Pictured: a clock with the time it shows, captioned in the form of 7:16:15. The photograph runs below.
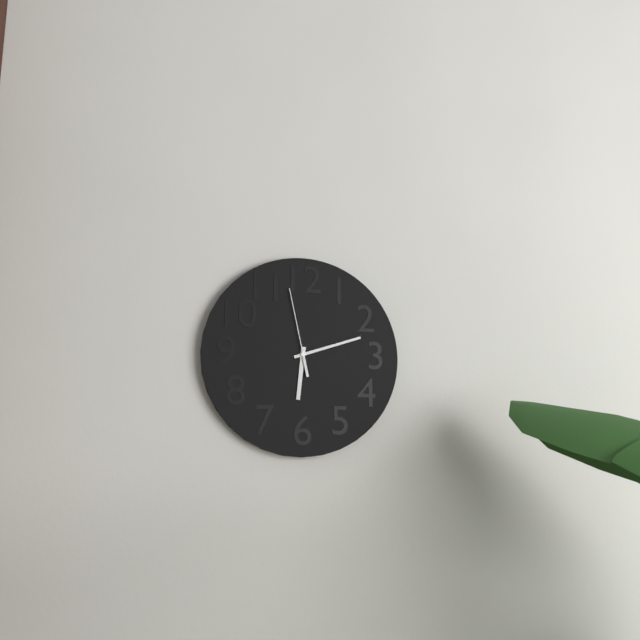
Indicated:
6:12:58
